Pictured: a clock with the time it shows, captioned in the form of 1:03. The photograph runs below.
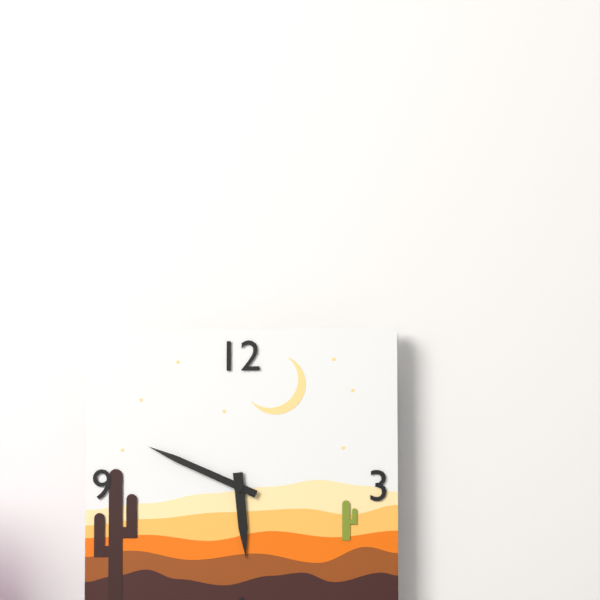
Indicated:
5:49
